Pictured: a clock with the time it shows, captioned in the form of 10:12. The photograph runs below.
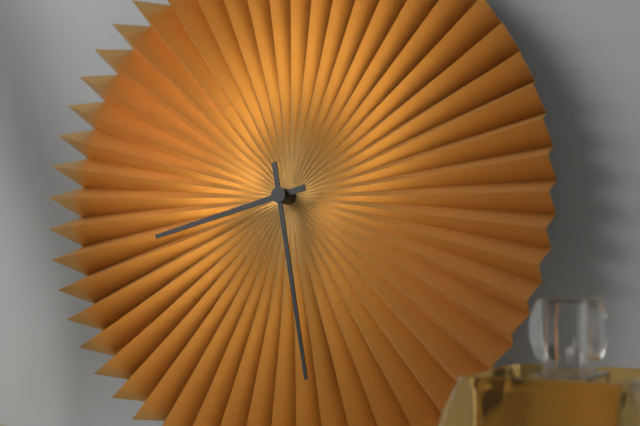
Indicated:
8:28
